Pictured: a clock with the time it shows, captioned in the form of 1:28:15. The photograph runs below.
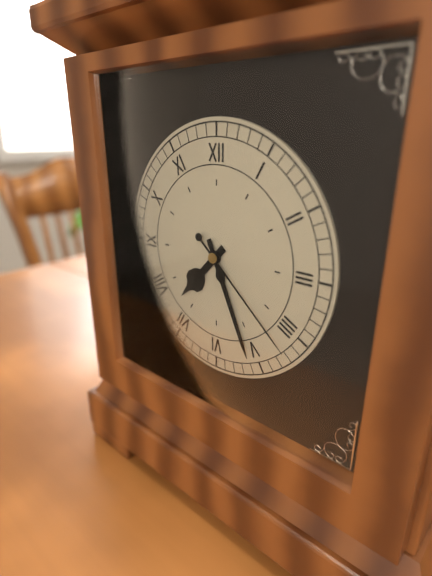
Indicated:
7:26:22
